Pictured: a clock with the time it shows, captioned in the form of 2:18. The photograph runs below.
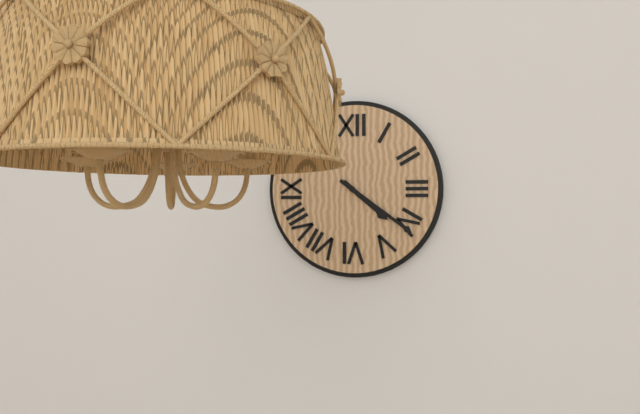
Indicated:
4:21
